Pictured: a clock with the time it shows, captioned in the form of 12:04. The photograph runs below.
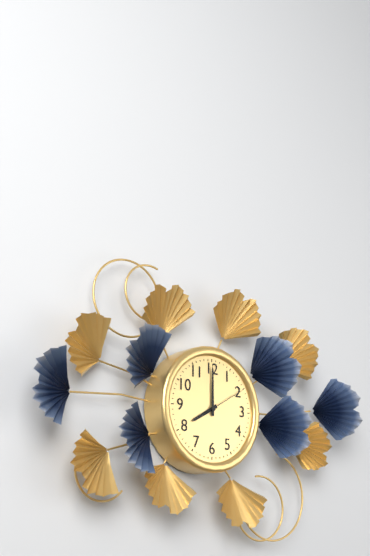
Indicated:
8:00
